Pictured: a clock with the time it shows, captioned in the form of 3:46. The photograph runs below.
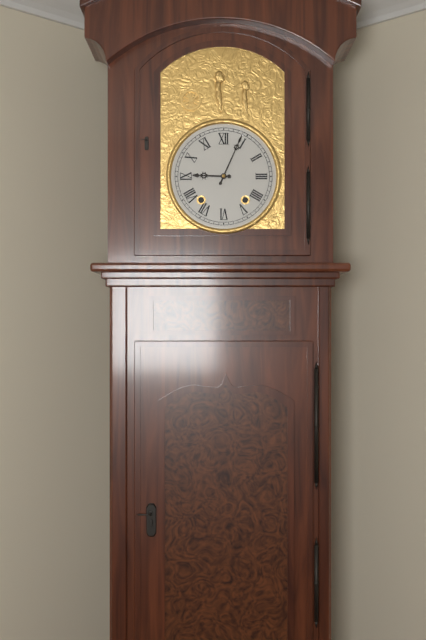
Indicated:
9:04
